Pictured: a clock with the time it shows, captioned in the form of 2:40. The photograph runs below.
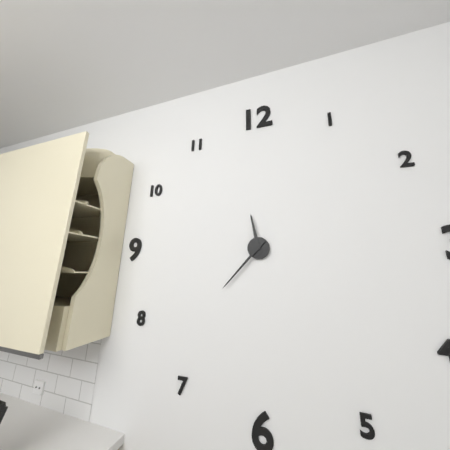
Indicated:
11:37
